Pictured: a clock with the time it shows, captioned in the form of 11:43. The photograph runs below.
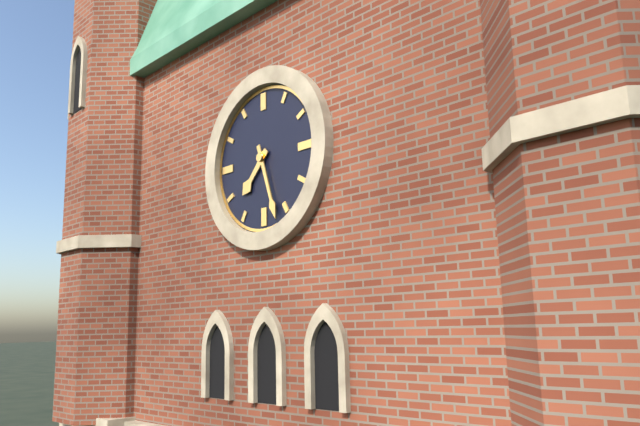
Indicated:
7:27
